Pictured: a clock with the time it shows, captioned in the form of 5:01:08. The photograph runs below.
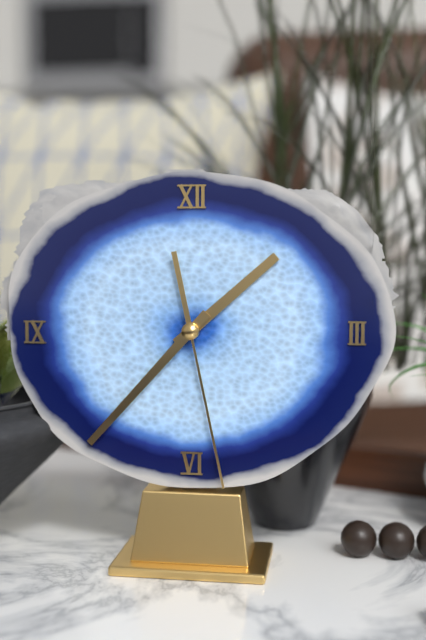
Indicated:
1:37:28
